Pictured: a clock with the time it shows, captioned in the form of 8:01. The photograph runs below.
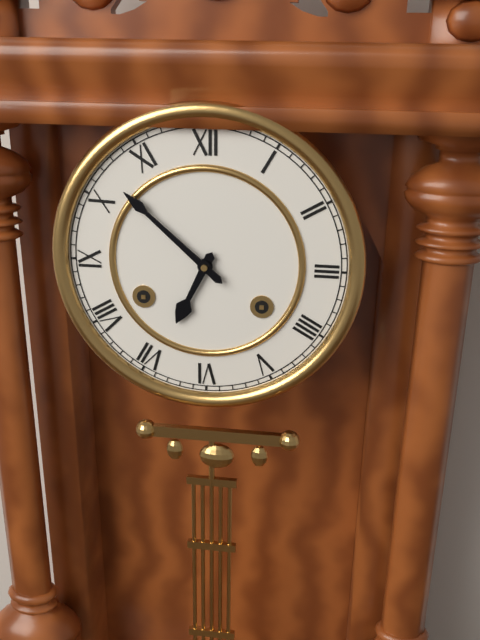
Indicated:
6:52
